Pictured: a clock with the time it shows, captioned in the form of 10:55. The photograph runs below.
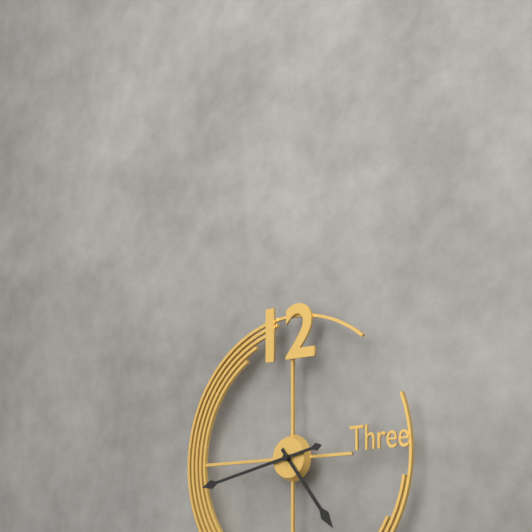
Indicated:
4:43
